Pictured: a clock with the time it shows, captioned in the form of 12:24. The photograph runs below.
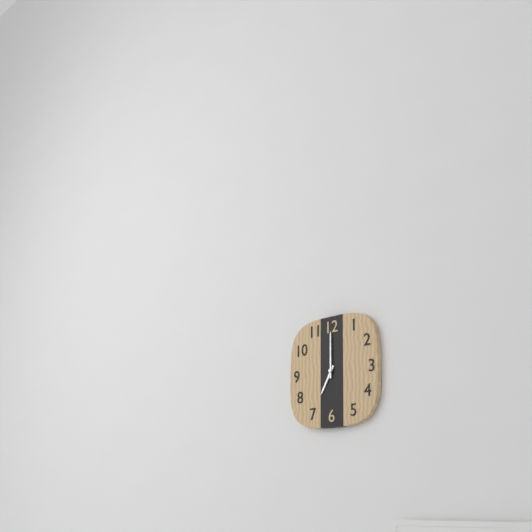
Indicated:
7:00
